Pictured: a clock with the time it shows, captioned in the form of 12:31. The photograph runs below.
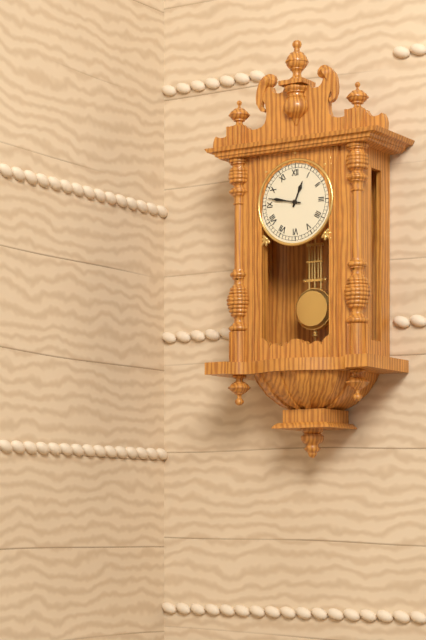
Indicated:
12:47
